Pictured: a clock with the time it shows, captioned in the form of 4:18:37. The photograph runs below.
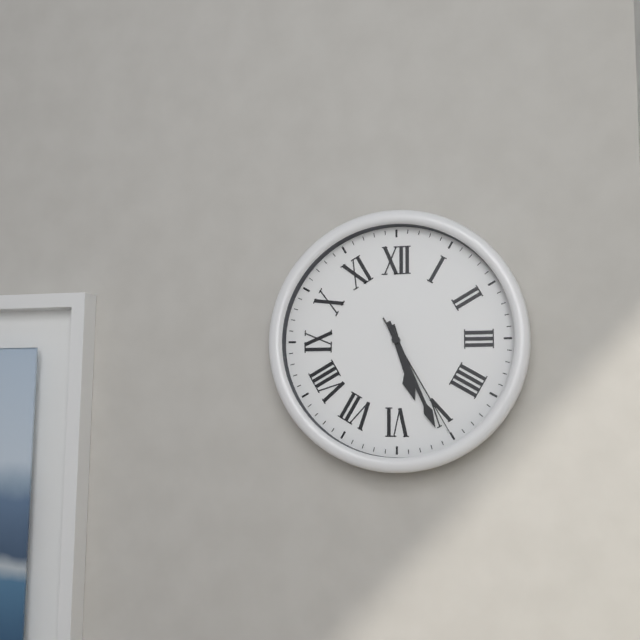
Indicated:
5:26:25
